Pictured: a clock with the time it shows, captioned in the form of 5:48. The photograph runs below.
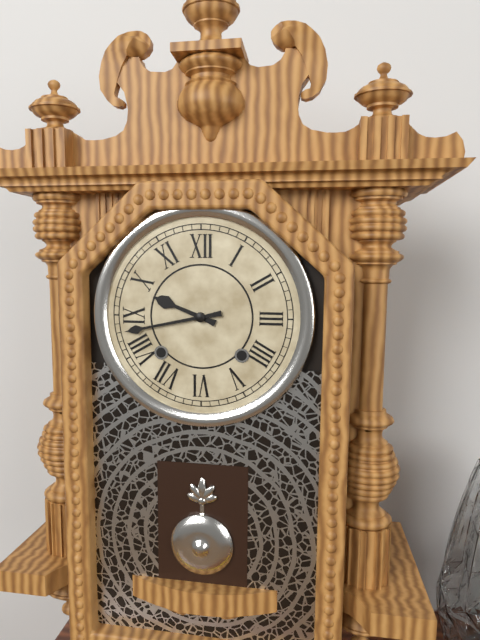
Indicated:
9:43
